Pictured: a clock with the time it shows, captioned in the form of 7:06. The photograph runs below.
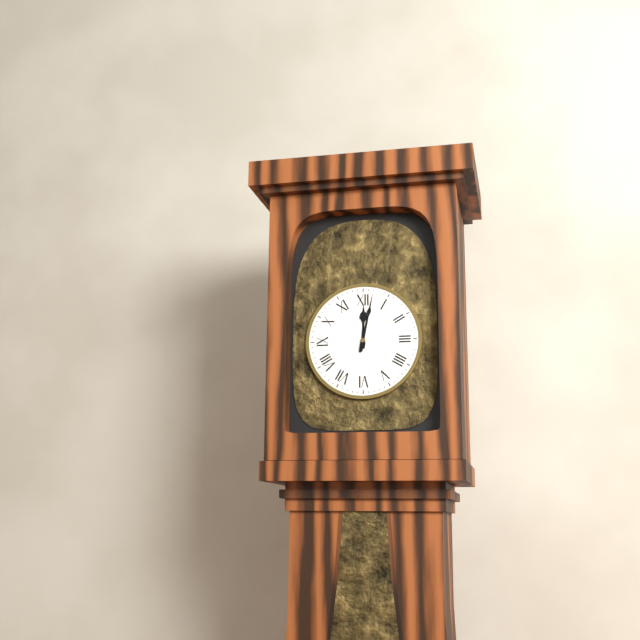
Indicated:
12:02
